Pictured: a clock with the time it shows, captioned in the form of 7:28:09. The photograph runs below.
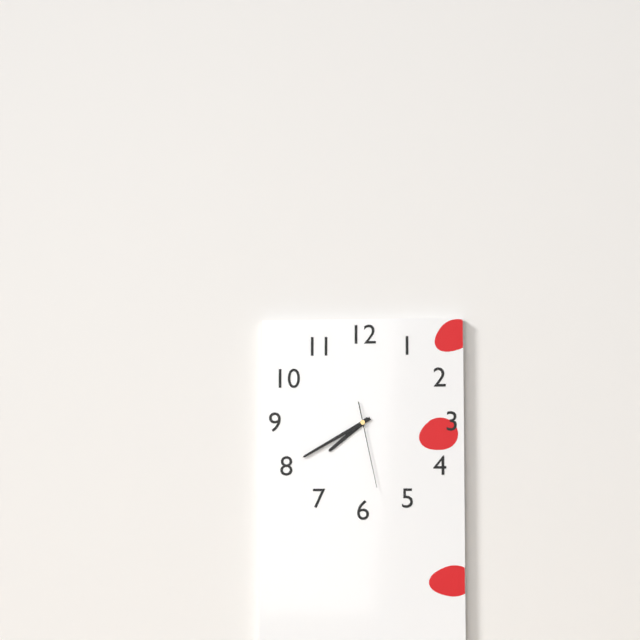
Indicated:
7:40:28
